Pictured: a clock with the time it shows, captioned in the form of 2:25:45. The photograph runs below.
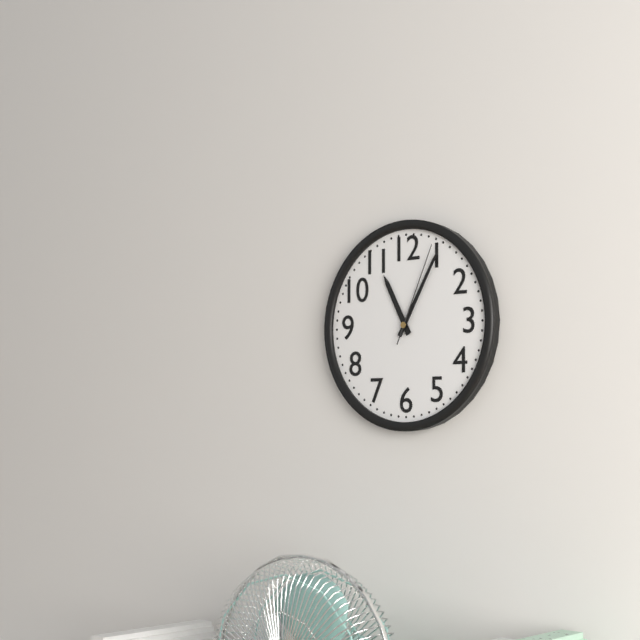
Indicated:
11:05:04
